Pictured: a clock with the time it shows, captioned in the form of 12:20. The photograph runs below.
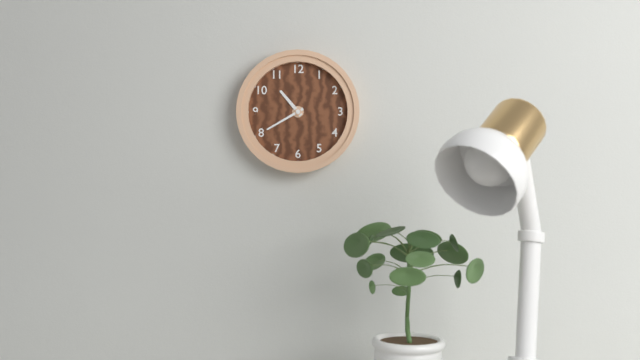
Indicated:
10:40
